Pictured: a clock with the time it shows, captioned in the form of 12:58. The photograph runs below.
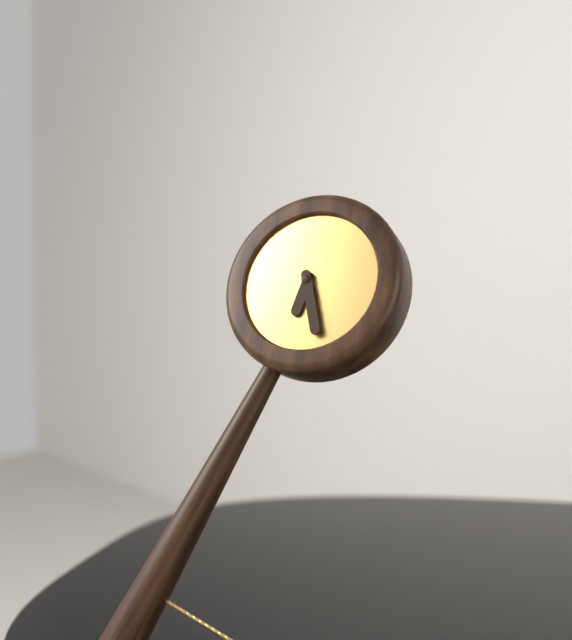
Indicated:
6:27
